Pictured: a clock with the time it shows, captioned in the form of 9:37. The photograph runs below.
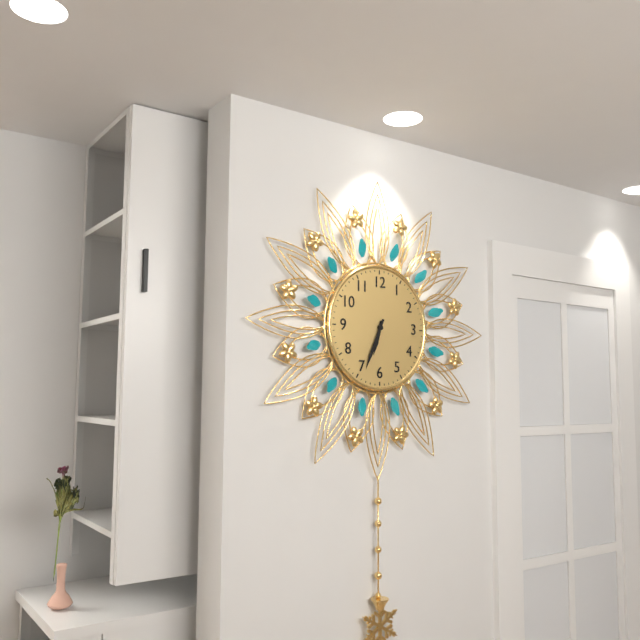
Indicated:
6:34
